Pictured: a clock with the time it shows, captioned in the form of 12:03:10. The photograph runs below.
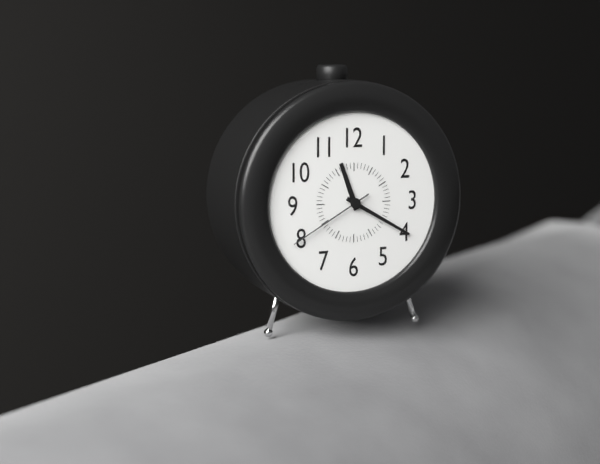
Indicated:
11:20:40
